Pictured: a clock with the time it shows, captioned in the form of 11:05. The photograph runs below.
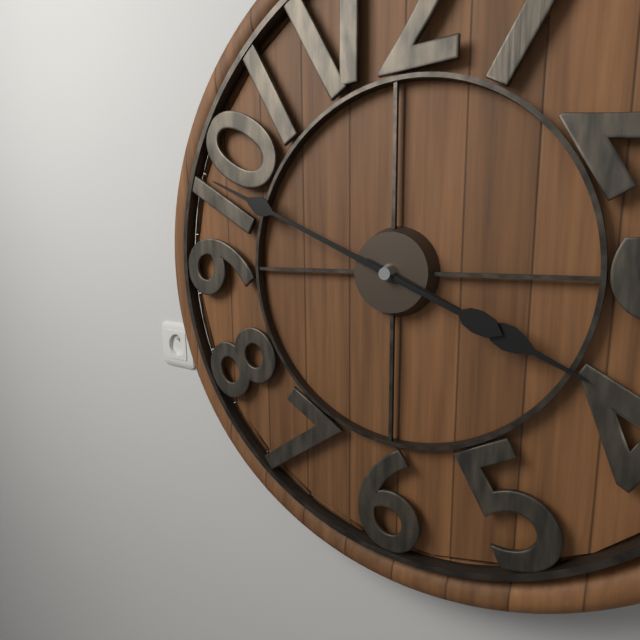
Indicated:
3:49
